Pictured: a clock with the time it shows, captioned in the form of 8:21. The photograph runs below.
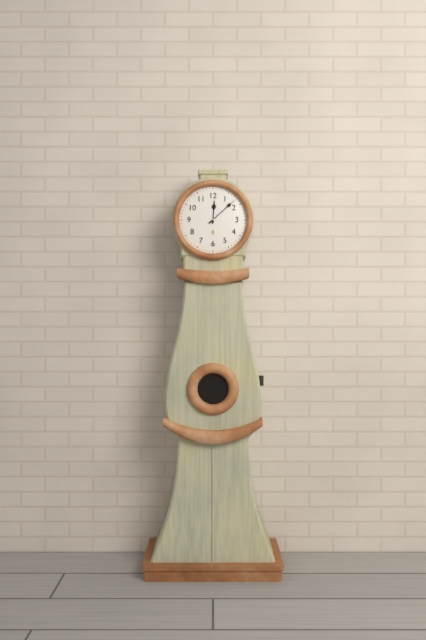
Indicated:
12:08
